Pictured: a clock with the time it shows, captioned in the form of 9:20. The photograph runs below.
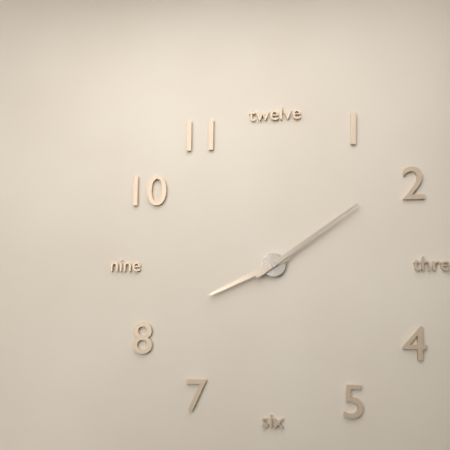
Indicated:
8:09
